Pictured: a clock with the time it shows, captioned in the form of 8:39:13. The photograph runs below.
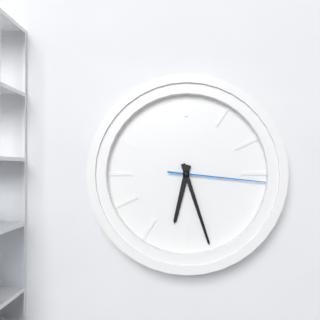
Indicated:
6:27:16
